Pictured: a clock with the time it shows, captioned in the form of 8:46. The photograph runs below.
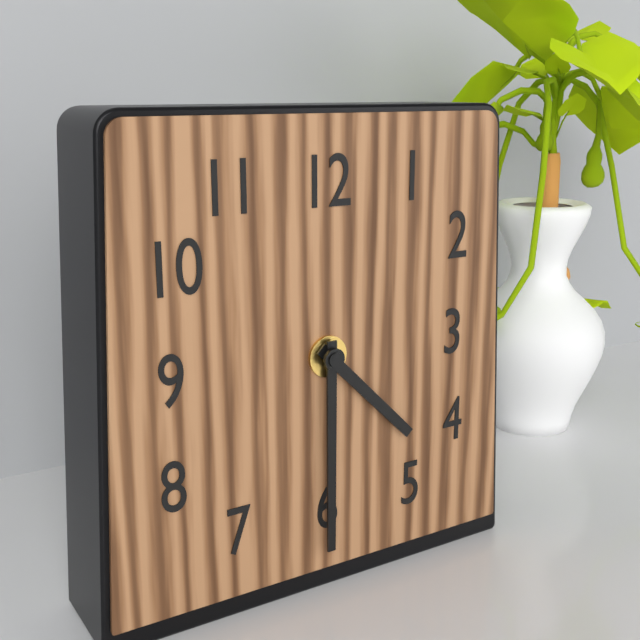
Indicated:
4:30
